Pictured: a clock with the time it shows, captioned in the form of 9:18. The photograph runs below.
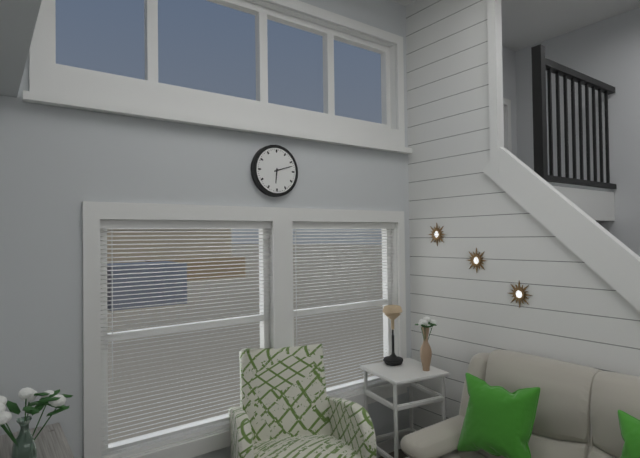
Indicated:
6:12
